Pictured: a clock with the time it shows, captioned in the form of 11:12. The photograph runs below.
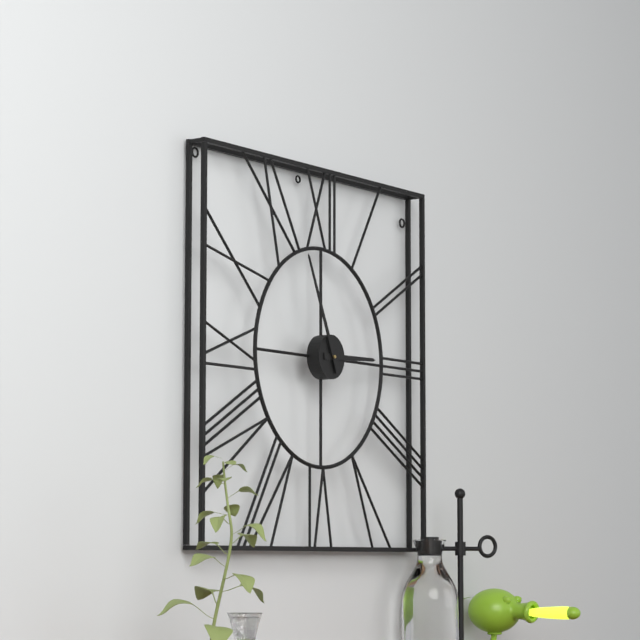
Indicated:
2:56
